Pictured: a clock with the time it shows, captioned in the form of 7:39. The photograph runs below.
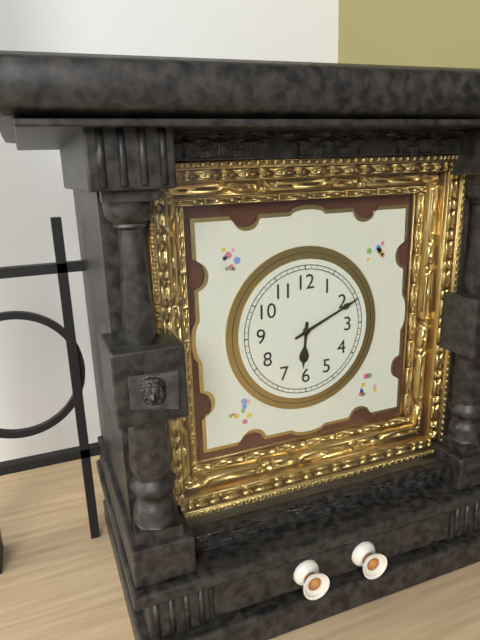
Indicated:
6:11
